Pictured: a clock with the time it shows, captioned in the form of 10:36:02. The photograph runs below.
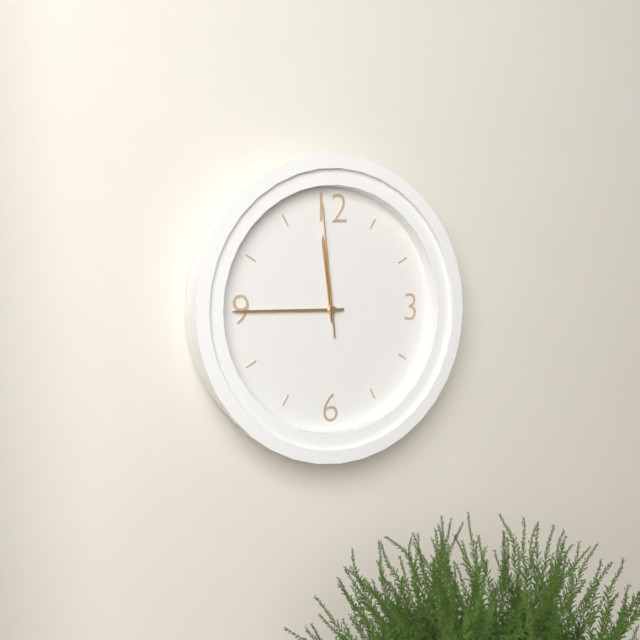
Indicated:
11:45:59
